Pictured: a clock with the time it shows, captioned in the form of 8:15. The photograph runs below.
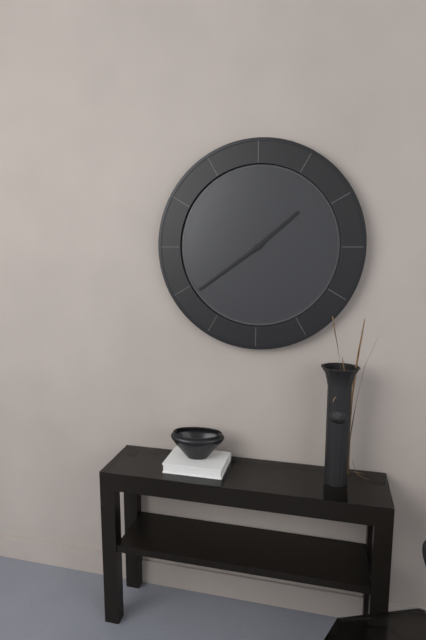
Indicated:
1:39
